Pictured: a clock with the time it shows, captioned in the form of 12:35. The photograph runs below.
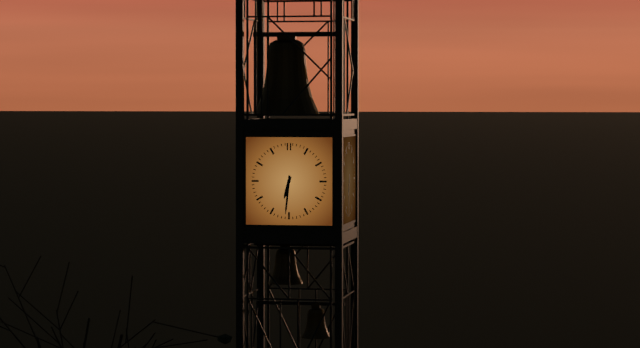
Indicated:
6:31
